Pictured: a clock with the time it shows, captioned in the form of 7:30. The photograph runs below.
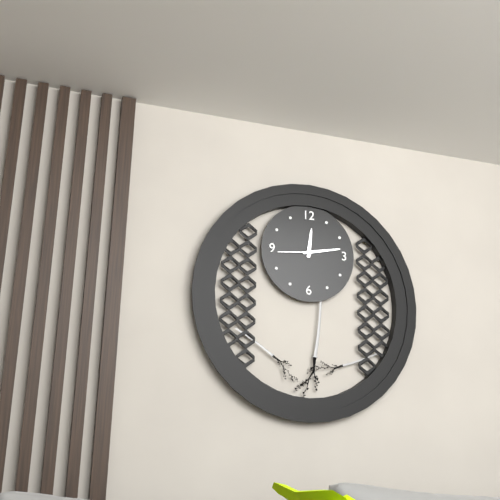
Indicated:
12:13
